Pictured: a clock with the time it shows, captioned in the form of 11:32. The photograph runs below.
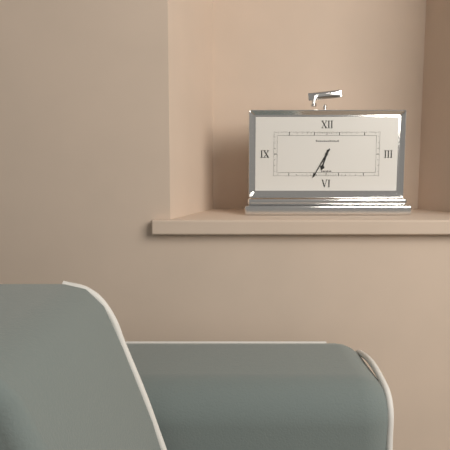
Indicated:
6:35
